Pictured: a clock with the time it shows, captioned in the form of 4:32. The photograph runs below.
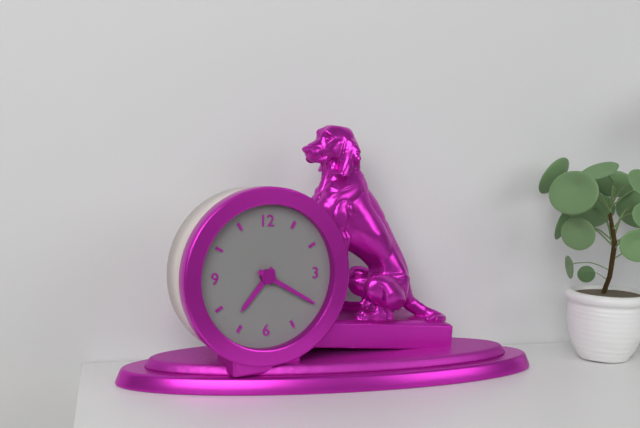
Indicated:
7:20
